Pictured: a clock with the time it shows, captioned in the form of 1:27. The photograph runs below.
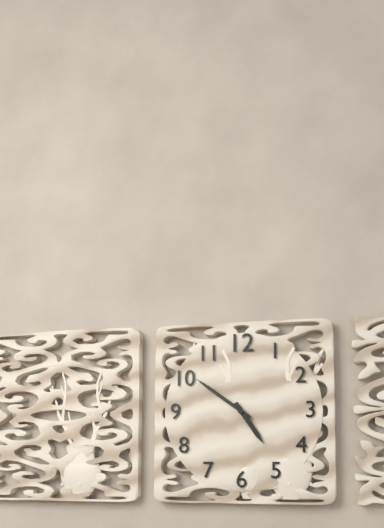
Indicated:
4:51
